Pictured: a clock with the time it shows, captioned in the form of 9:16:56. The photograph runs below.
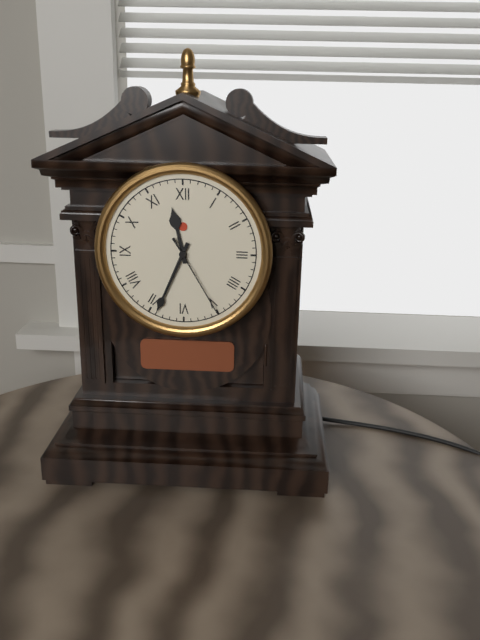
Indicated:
11:34:25
